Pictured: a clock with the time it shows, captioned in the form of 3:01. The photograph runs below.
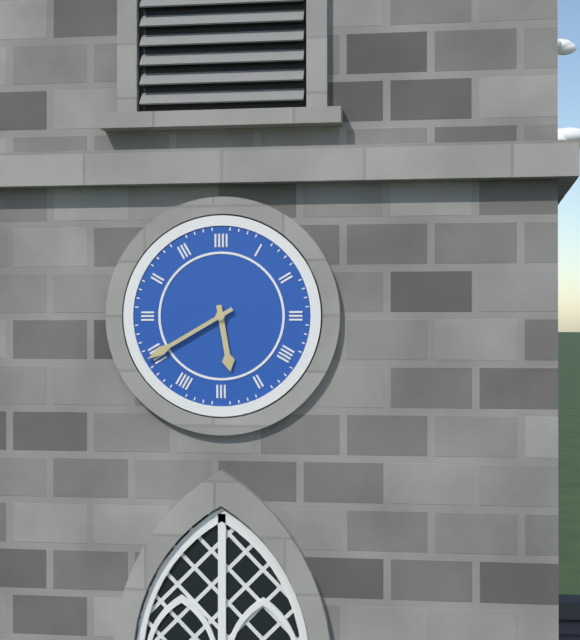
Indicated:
5:40
